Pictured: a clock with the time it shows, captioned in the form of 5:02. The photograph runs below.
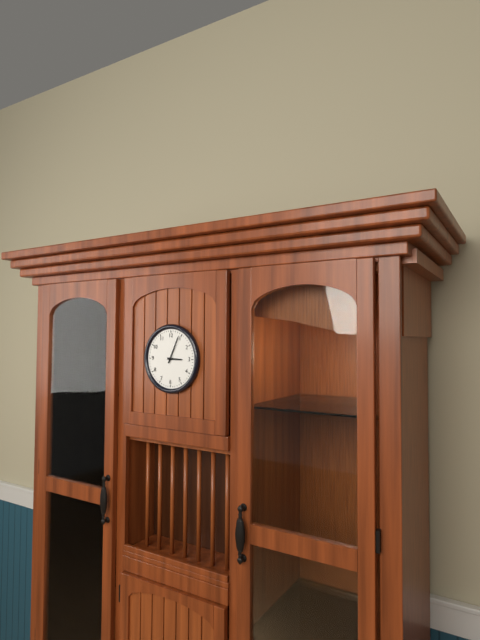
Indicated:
3:04
